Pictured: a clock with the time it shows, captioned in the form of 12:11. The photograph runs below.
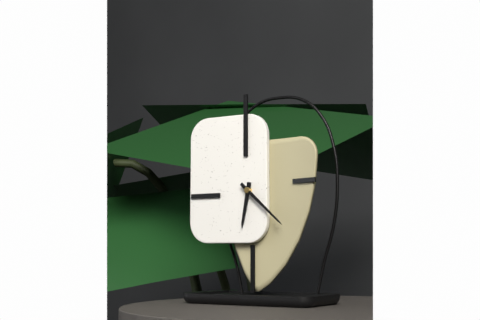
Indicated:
6:22
